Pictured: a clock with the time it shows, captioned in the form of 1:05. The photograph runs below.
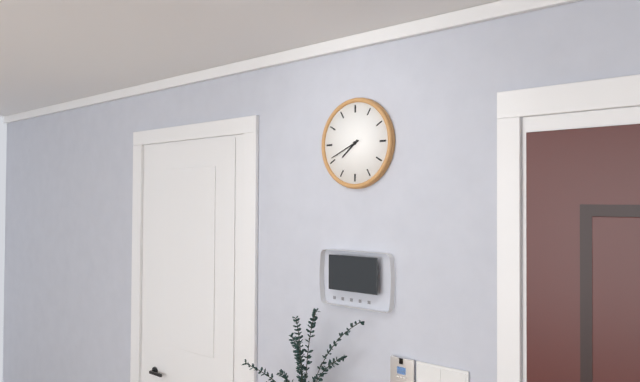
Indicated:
7:41
